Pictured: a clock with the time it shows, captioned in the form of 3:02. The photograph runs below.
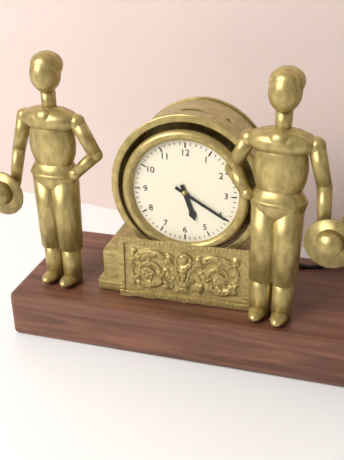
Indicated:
5:20
